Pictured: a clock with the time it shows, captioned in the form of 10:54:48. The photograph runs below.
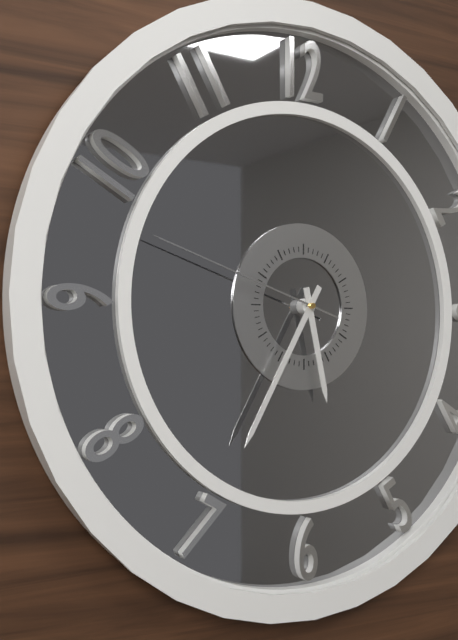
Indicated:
5:35:48
